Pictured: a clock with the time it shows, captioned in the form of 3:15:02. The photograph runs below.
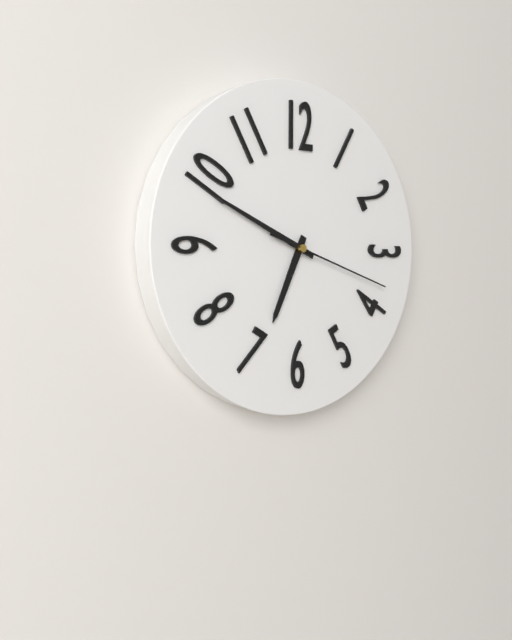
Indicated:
6:49:18
